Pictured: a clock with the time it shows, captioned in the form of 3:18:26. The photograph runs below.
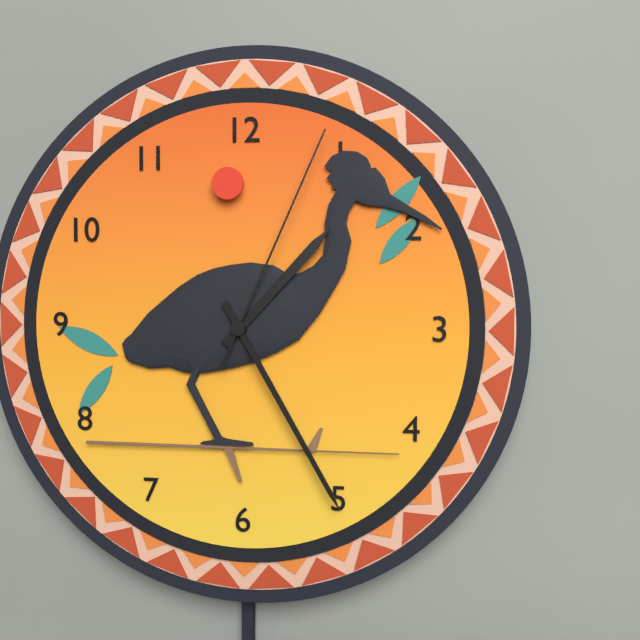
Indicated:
1:25:04
